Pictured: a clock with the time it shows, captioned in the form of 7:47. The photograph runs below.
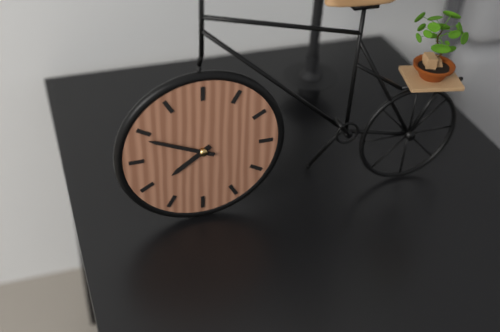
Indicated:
7:49
